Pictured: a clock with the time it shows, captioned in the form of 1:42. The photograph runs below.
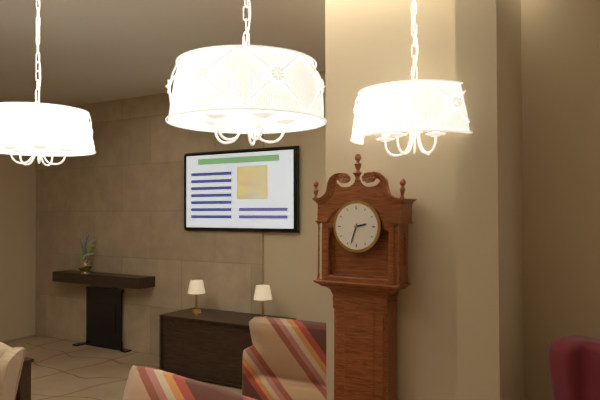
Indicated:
2:33
